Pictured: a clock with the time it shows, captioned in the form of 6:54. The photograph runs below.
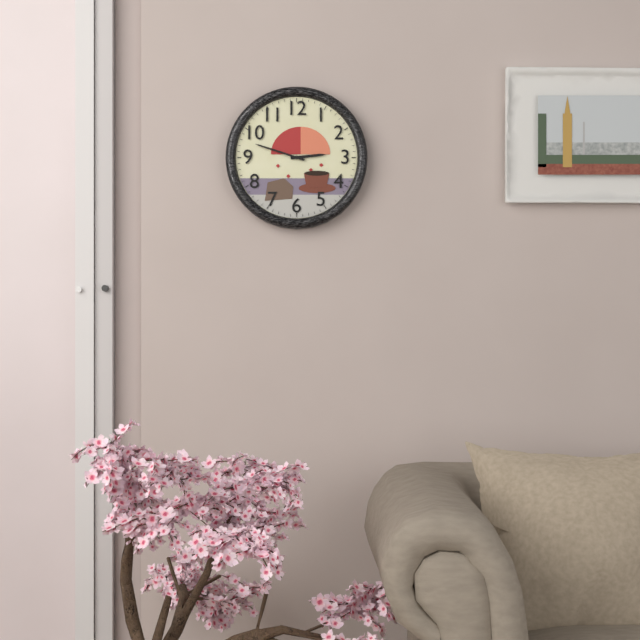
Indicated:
2:48
